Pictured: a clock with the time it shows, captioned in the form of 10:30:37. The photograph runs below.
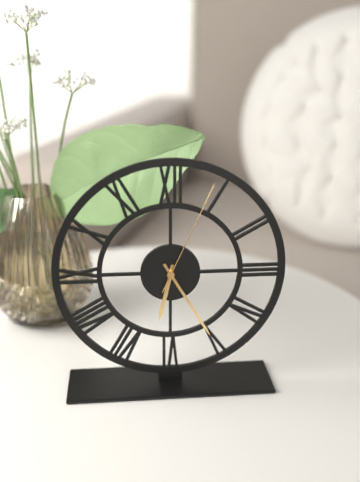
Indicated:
6:25:04
